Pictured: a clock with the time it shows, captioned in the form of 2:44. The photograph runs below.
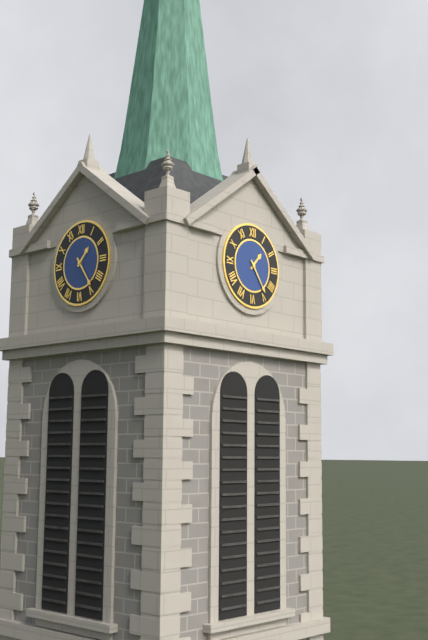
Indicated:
1:24
